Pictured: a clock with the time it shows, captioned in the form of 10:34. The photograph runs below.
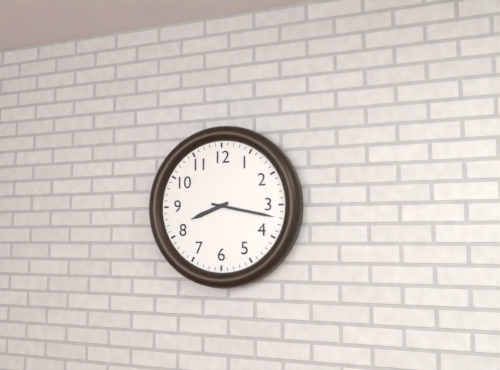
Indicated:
8:17
